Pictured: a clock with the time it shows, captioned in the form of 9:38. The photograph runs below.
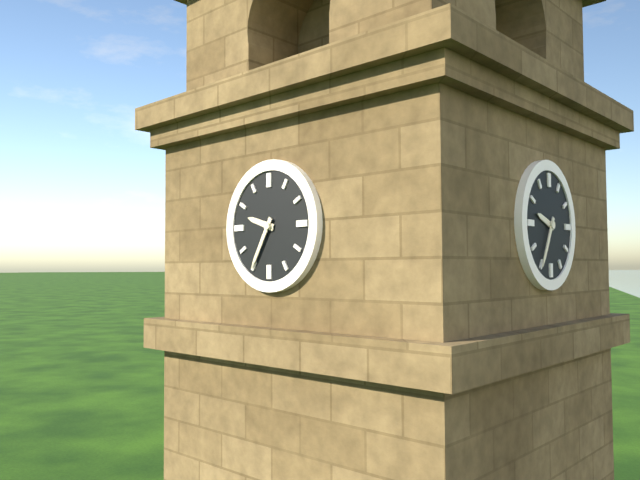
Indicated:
9:35
